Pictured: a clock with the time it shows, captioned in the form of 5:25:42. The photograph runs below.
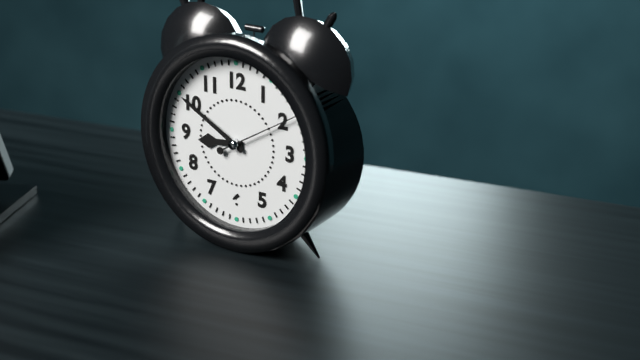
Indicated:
8:50:10
